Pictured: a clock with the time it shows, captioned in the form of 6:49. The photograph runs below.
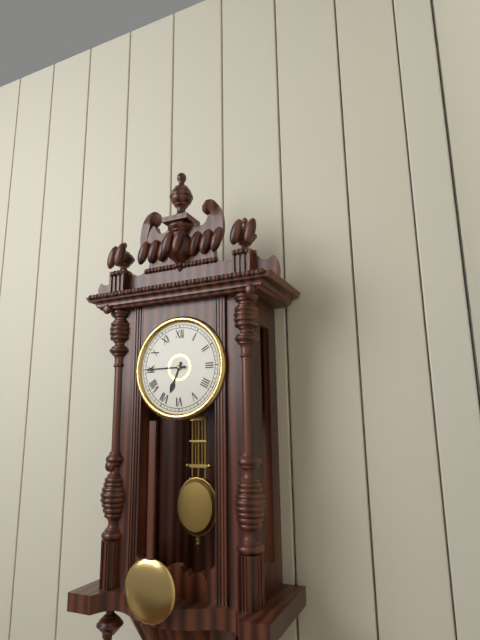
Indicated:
6:45
